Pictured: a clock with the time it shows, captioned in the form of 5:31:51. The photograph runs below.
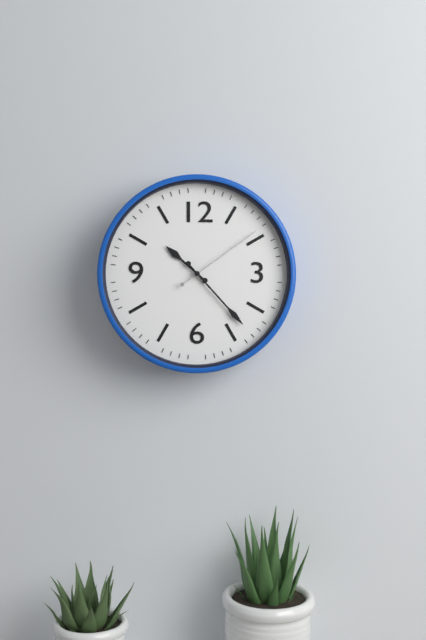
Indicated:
10:23:09
